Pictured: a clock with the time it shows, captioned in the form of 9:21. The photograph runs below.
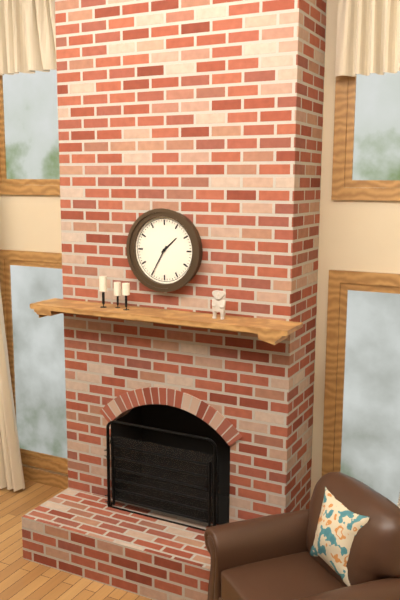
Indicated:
1:35
